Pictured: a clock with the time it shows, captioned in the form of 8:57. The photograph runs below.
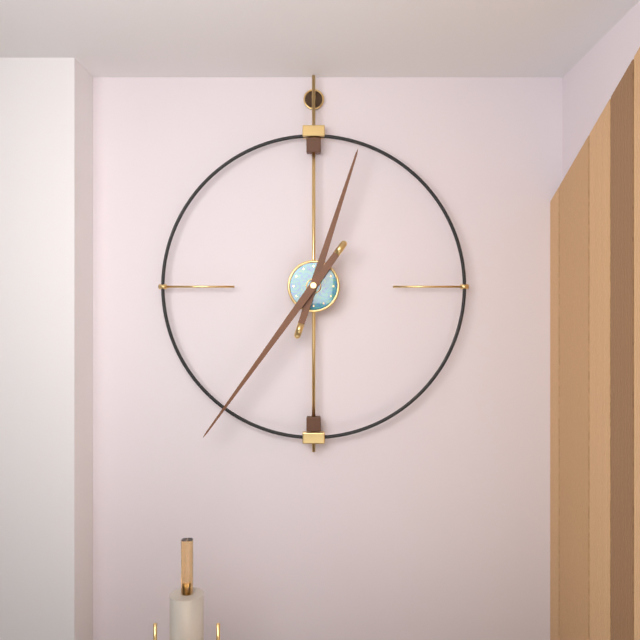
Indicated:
12:36
